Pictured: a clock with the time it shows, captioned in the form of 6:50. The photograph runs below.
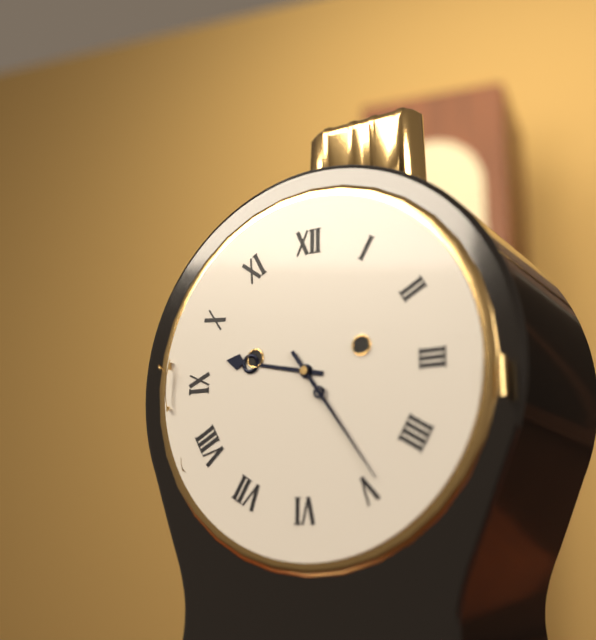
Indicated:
9:24
